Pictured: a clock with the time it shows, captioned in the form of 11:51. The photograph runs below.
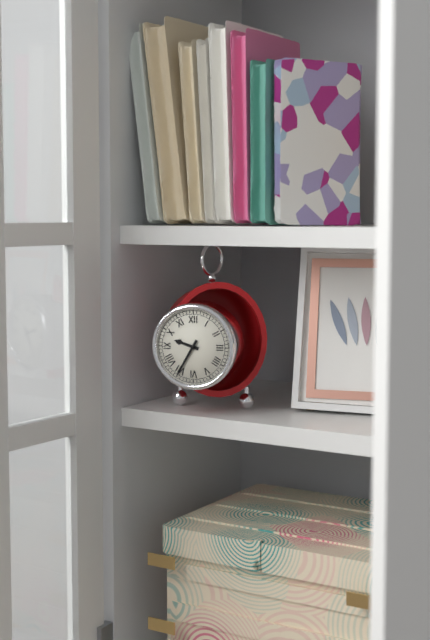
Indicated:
9:35
